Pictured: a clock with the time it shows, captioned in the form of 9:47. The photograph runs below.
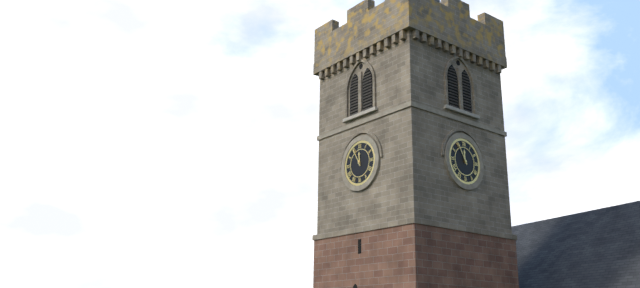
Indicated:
11:55
